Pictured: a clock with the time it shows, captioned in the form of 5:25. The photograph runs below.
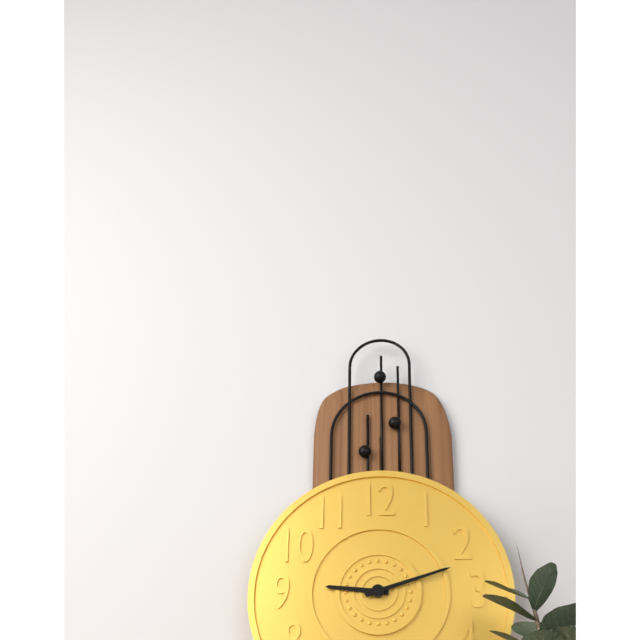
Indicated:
9:12
